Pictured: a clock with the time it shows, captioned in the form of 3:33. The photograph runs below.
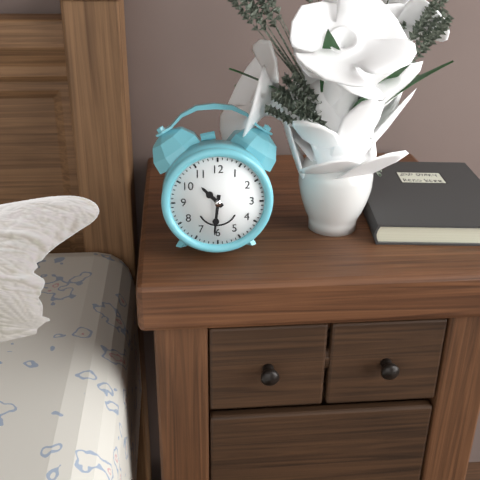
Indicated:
10:31
